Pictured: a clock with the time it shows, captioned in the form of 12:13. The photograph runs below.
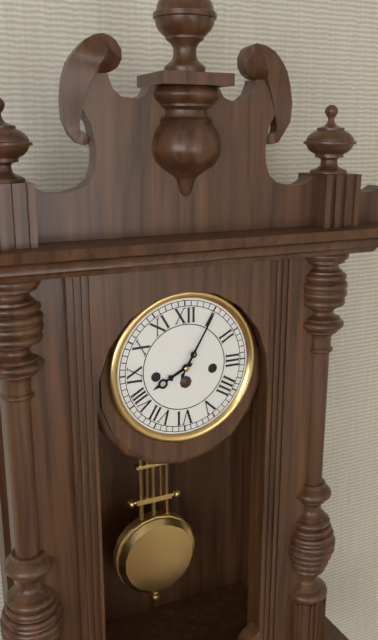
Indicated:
8:05
